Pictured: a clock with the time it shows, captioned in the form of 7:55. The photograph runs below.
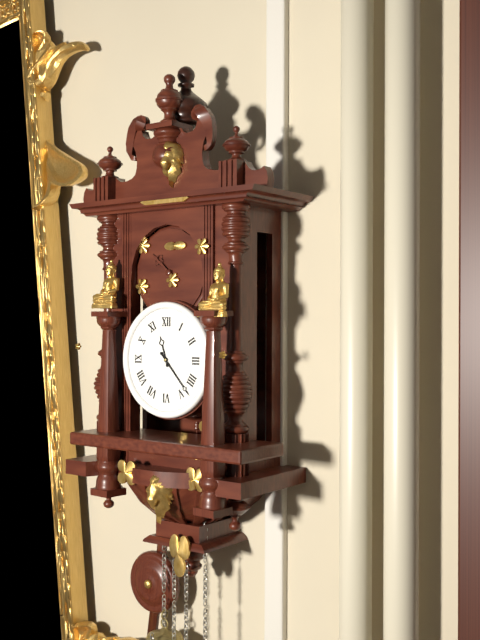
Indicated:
11:23
